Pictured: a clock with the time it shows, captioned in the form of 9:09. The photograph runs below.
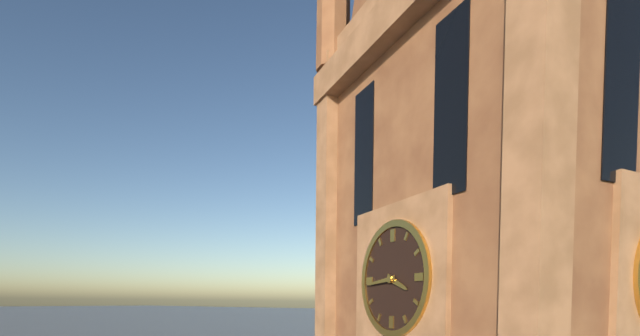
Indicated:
3:44
